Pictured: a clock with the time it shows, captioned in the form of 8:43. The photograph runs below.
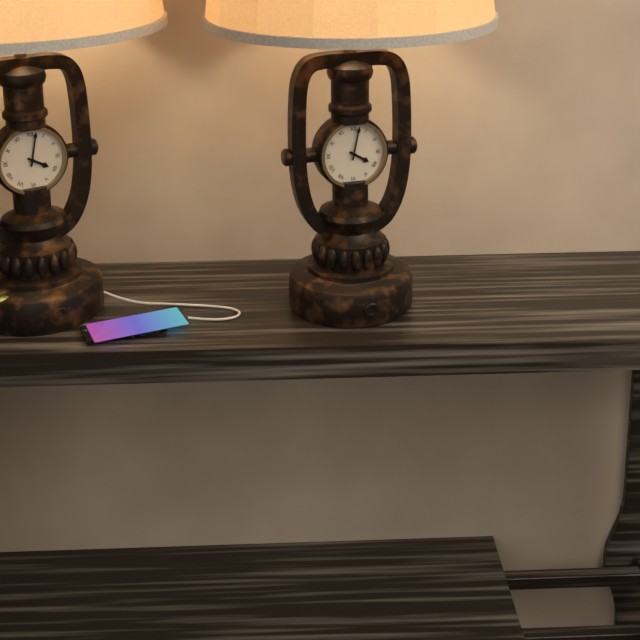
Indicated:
4:02
